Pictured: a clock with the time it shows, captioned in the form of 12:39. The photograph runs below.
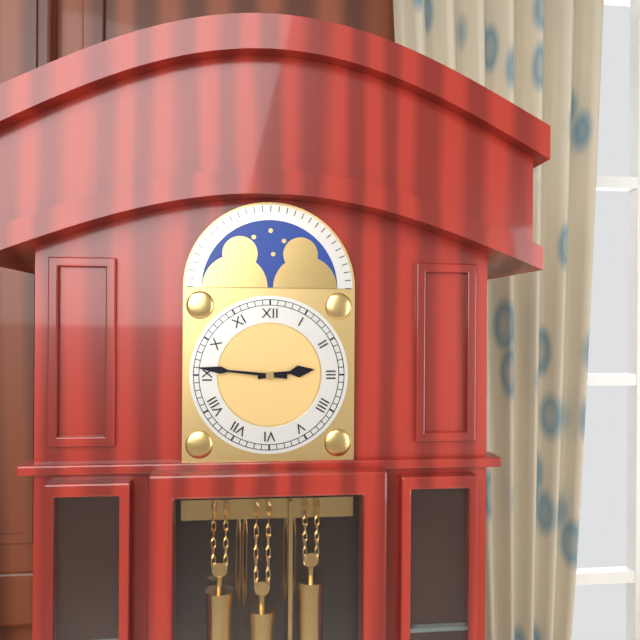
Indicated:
2:46
